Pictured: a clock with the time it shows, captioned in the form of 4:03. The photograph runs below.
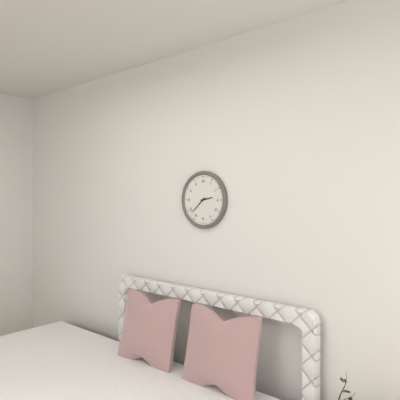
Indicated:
2:38
